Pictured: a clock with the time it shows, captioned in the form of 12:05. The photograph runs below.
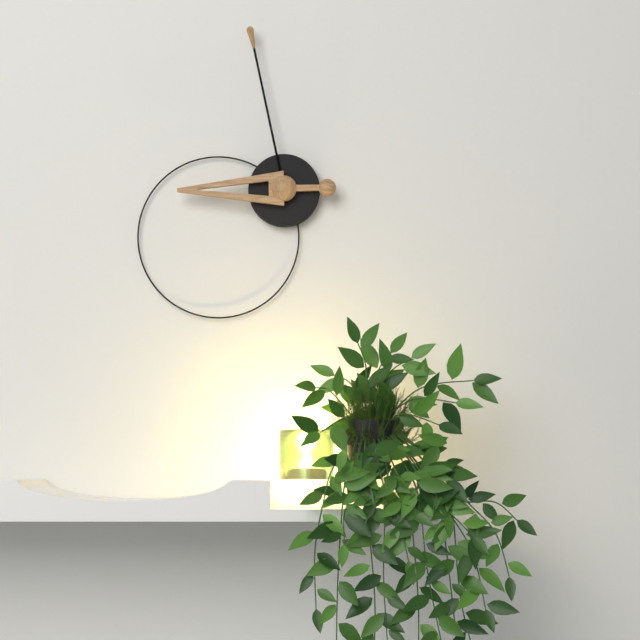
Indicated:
8:58
